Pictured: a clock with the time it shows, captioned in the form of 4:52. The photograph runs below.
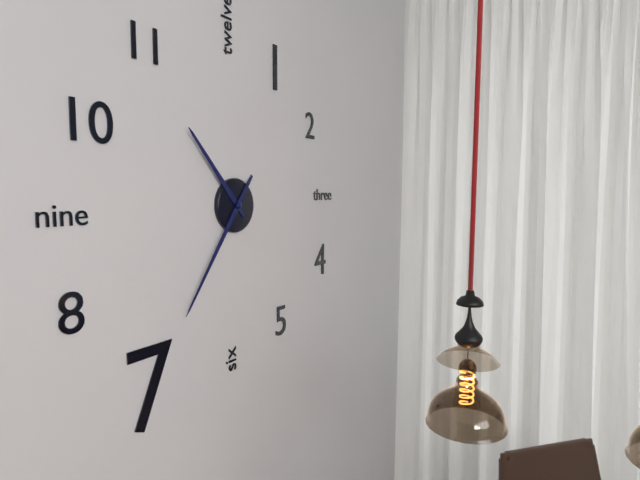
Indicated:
10:36
